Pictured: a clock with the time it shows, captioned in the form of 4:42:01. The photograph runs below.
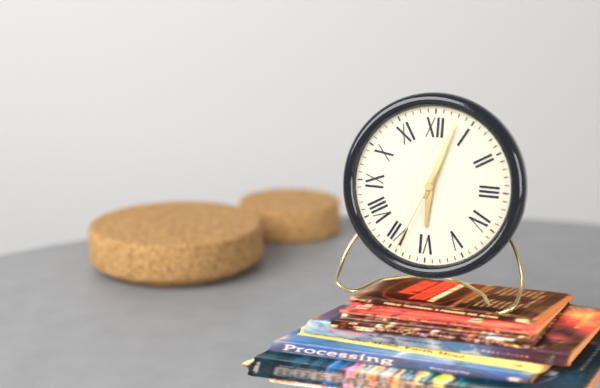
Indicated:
6:03:34
